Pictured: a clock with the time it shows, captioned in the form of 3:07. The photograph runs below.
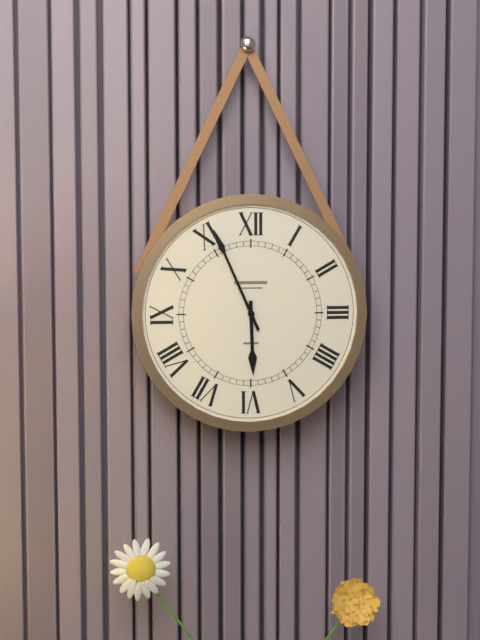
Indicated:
5:56
